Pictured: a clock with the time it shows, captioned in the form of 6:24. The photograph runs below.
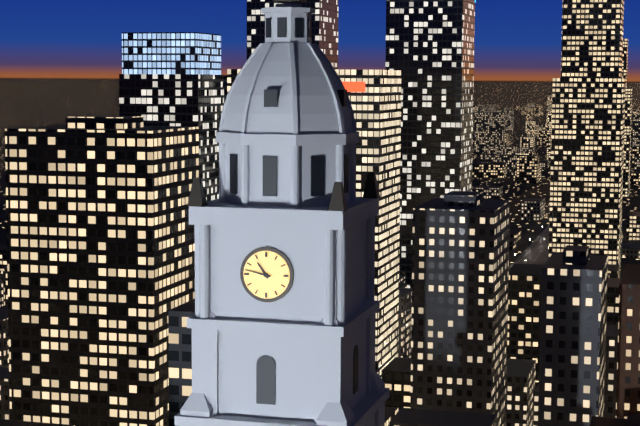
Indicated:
10:47
